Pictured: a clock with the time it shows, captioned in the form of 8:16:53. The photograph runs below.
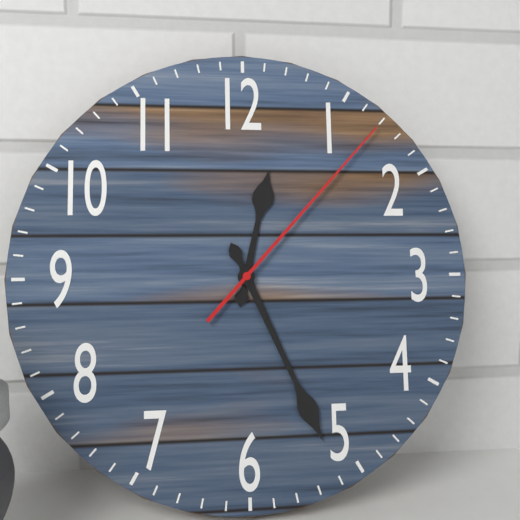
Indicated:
12:26:07
